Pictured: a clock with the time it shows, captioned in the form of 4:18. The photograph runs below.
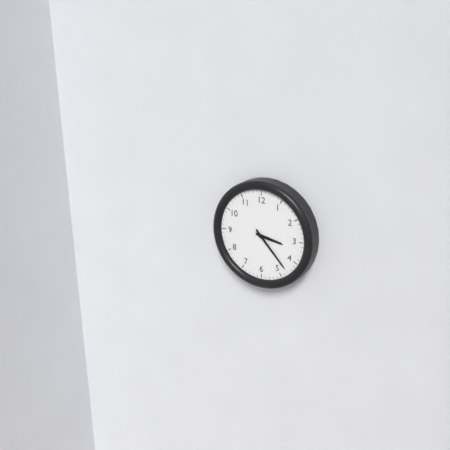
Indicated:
3:23
